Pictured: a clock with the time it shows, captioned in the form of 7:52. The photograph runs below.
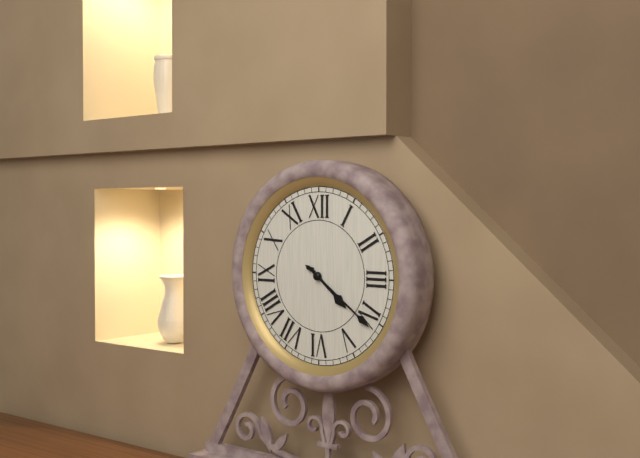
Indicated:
4:21
